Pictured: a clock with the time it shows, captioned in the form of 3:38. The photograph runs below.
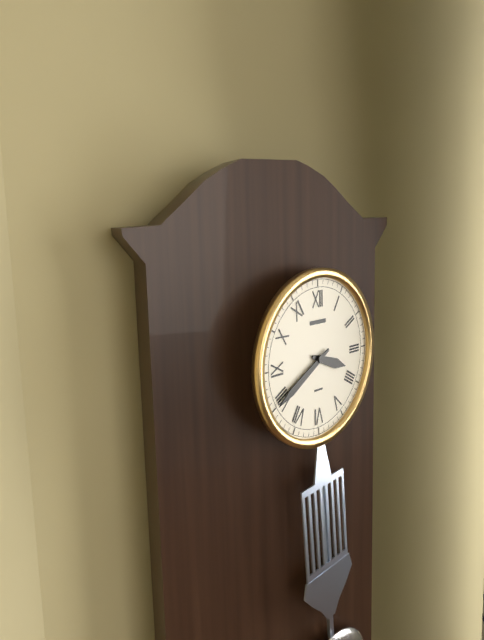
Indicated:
3:40
